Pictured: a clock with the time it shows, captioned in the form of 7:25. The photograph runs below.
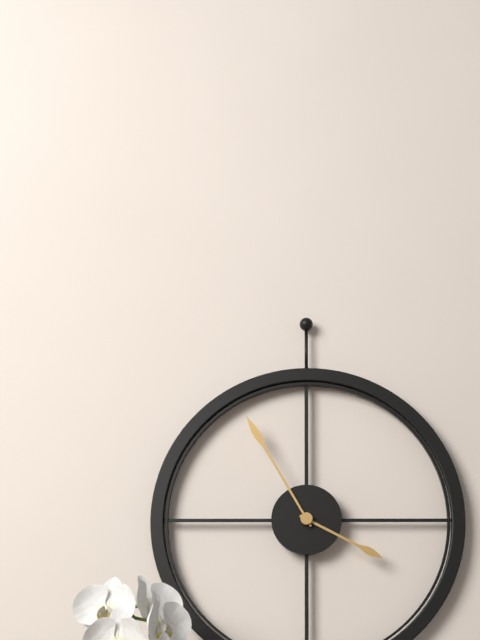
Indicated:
3:55
